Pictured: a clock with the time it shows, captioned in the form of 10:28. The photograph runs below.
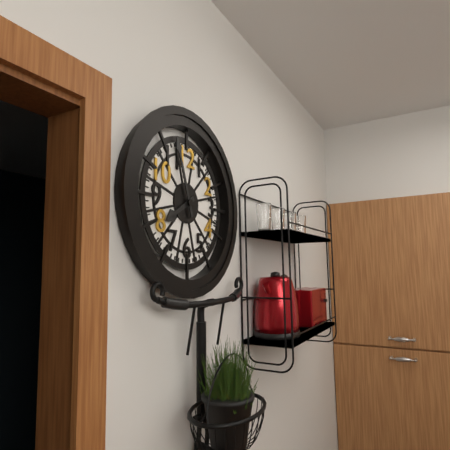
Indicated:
7:57
